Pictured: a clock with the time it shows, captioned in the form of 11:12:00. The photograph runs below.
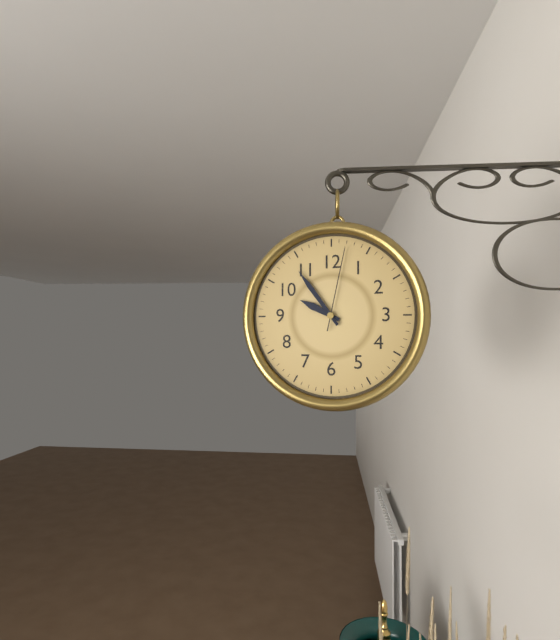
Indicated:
9:54:02
